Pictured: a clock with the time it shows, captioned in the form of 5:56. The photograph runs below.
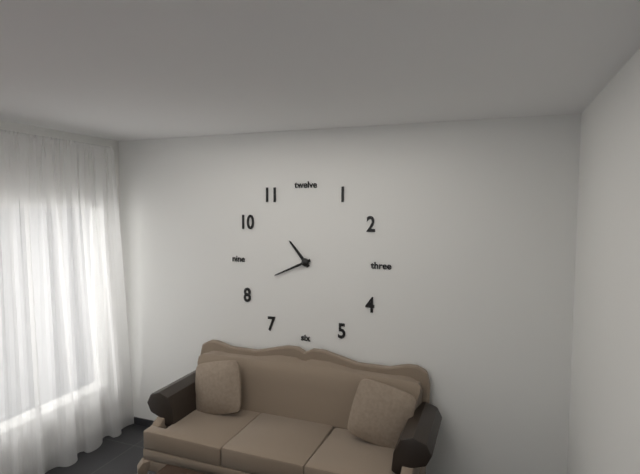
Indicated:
10:41
